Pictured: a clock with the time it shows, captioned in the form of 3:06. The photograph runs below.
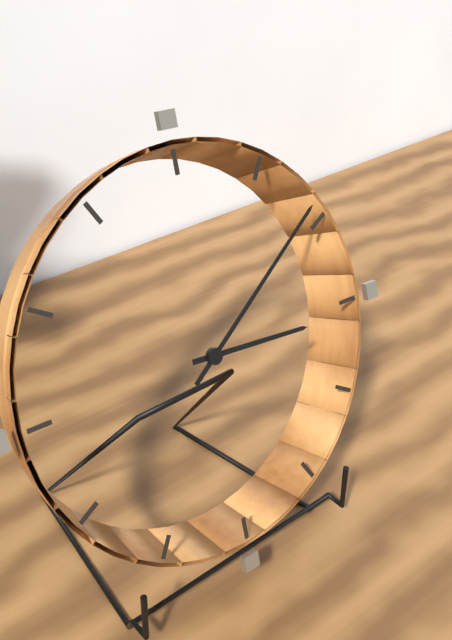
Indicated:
3:09
